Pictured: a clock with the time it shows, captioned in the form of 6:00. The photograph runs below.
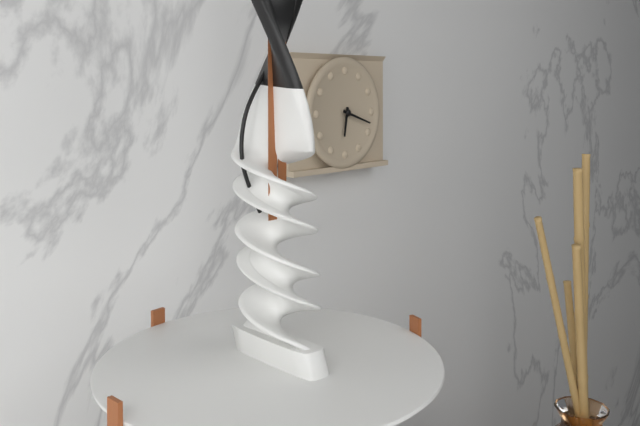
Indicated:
6:18
